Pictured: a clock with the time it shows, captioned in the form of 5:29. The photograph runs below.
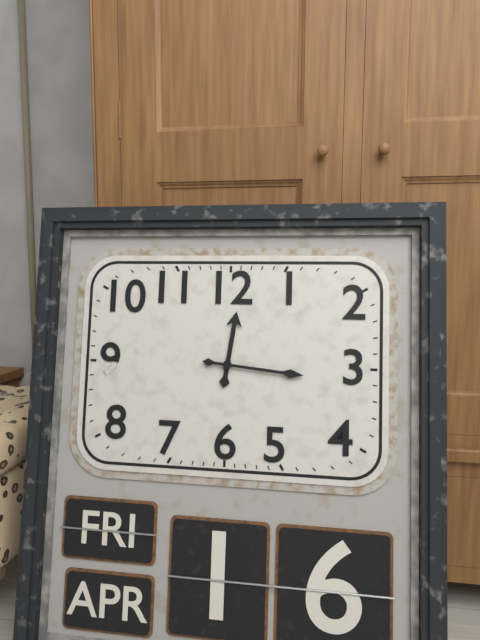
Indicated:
12:16
